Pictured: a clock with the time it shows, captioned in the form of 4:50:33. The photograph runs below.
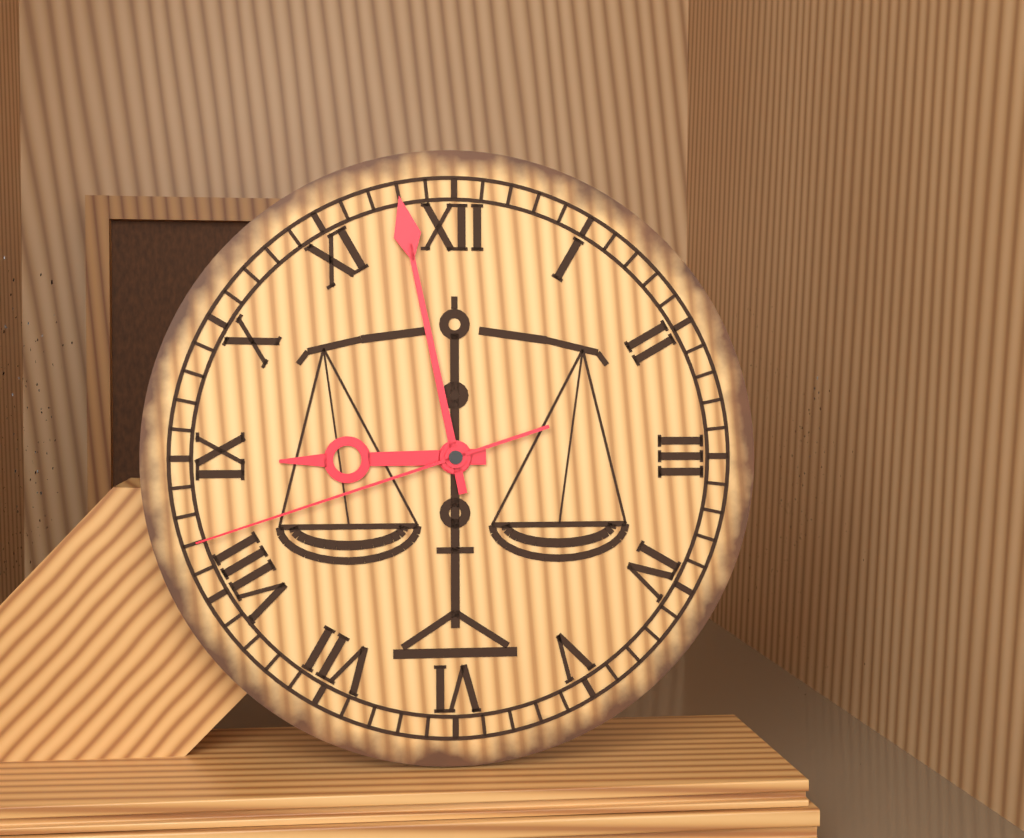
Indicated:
8:58:42
